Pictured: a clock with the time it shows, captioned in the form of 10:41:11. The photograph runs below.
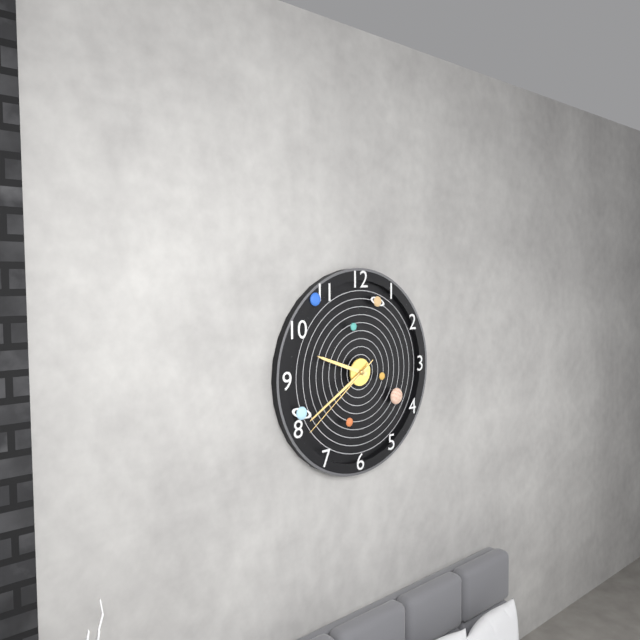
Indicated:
9:40:39
